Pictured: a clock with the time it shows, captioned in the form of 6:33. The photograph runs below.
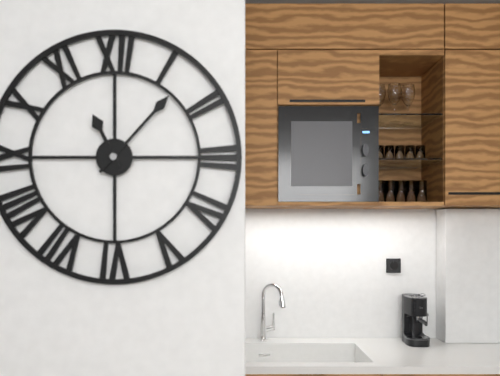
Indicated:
11:07
